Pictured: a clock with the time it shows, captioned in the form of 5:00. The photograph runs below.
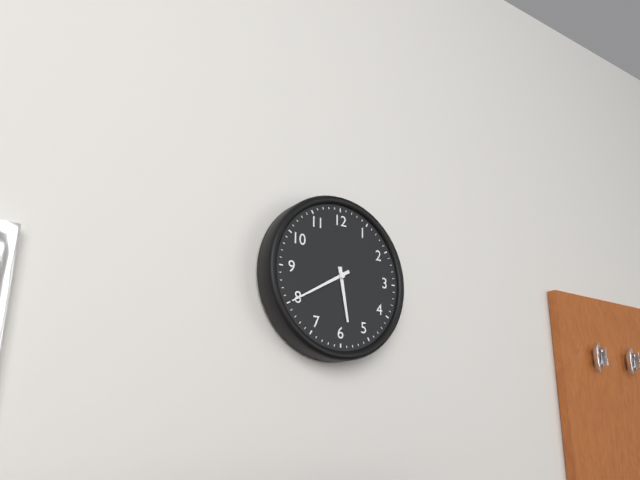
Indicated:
5:40
